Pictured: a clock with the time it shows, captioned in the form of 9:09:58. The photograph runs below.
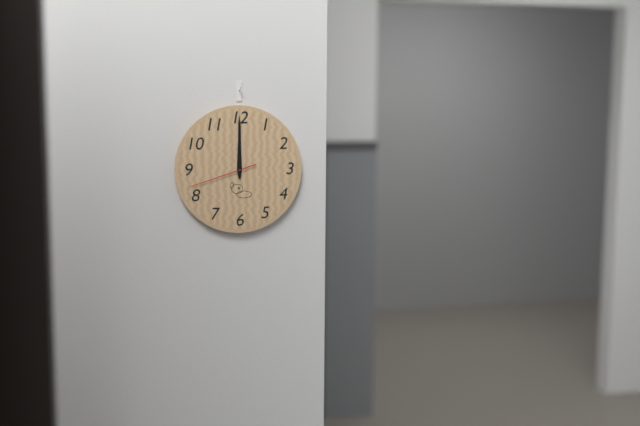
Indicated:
12:00:42
